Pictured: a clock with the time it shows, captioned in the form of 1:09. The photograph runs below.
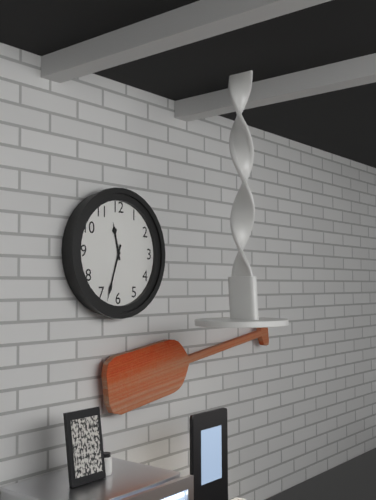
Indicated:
11:33
